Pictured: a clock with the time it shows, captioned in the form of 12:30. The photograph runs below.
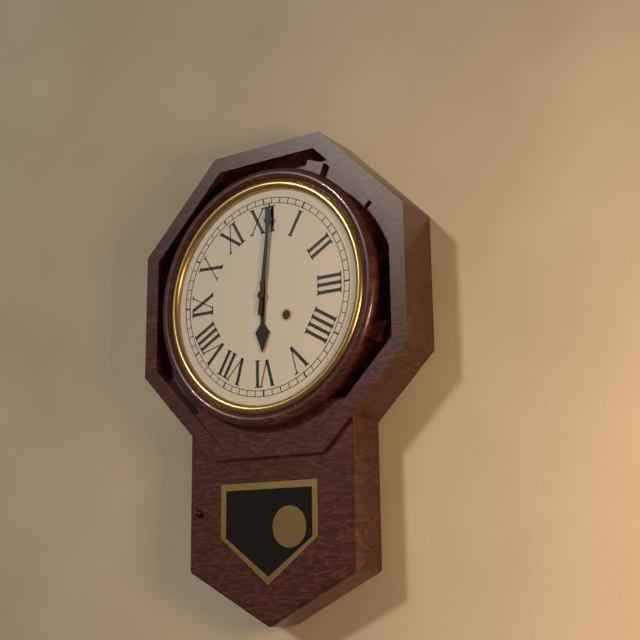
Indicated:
6:01
